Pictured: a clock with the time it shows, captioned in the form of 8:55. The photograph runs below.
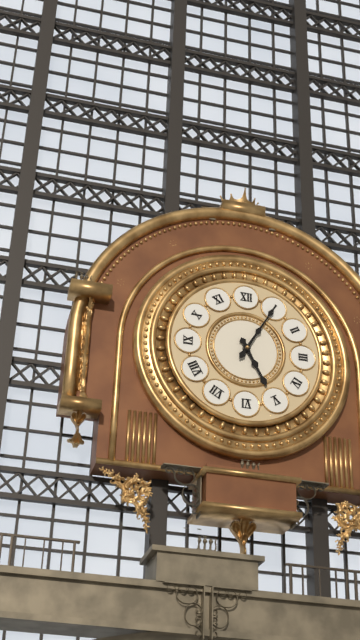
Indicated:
5:05
